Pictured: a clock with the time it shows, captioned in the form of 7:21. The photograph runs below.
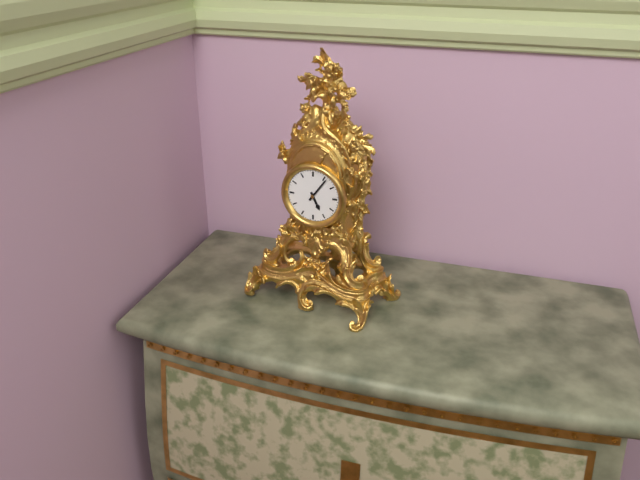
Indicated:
5:06
